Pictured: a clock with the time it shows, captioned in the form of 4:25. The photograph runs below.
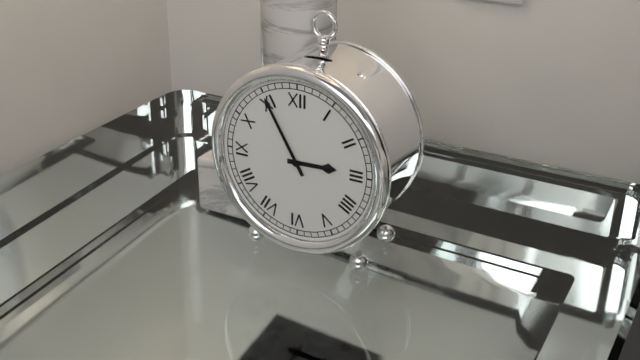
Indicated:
2:55
